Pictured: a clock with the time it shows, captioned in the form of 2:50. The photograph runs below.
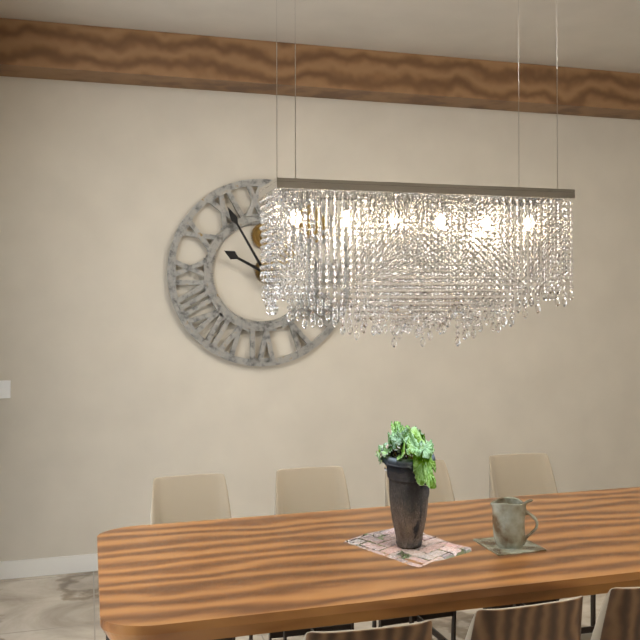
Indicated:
9:55
